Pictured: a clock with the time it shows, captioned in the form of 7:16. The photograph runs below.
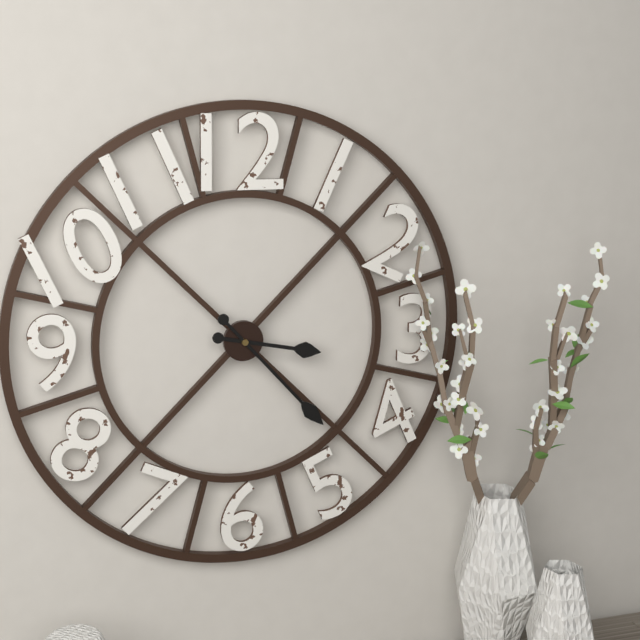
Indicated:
3:23
